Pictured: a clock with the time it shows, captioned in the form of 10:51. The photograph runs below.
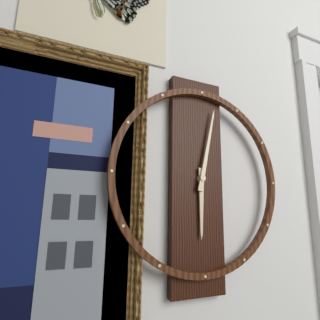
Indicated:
6:02
